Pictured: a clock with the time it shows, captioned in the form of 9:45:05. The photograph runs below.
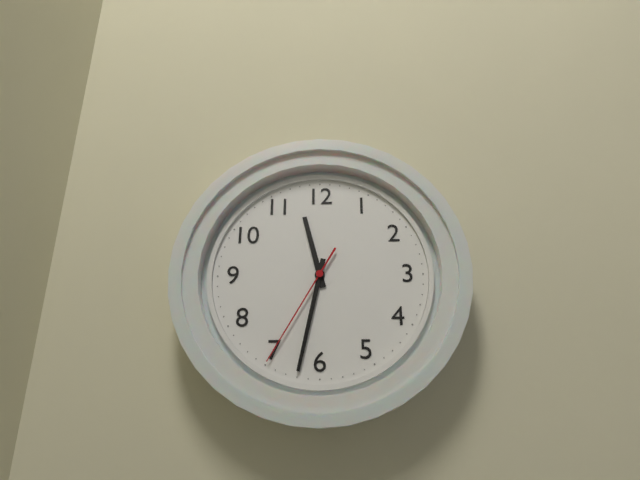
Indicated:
11:32:35
